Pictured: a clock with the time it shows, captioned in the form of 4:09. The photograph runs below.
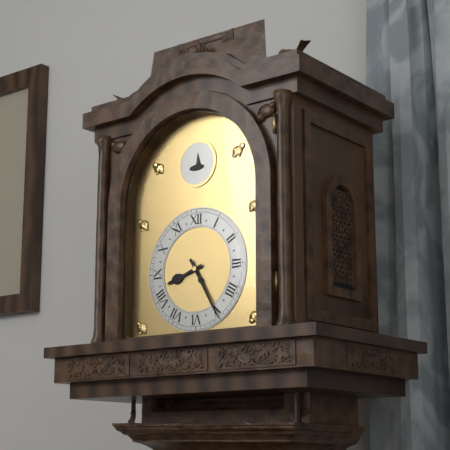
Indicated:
8:25
